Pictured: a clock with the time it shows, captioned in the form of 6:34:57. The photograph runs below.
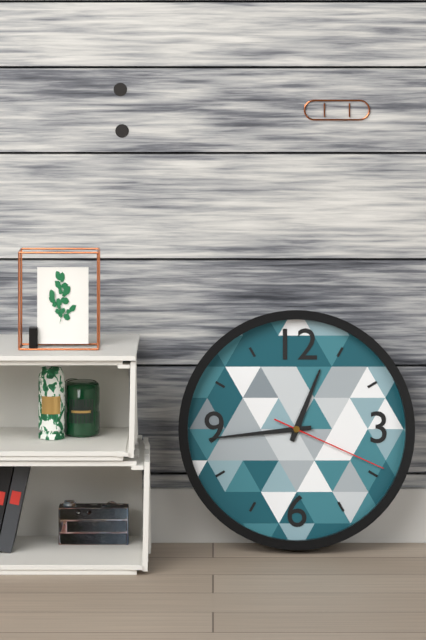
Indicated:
12:44:19
